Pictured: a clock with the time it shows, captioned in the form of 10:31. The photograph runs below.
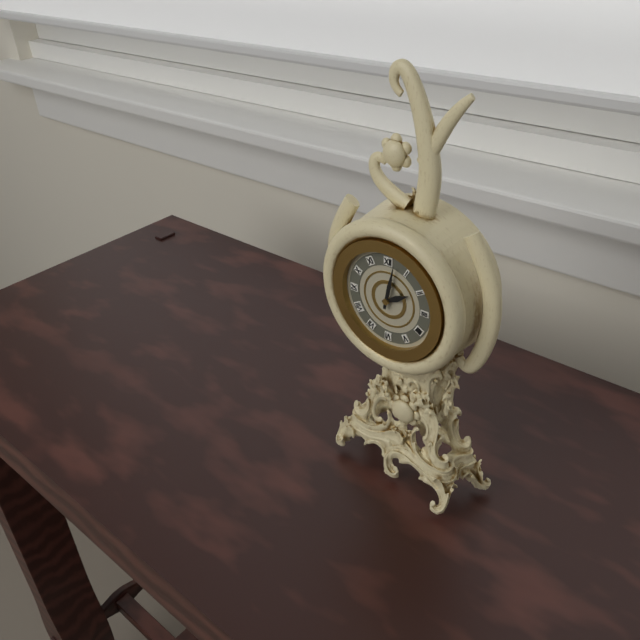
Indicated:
2:02
